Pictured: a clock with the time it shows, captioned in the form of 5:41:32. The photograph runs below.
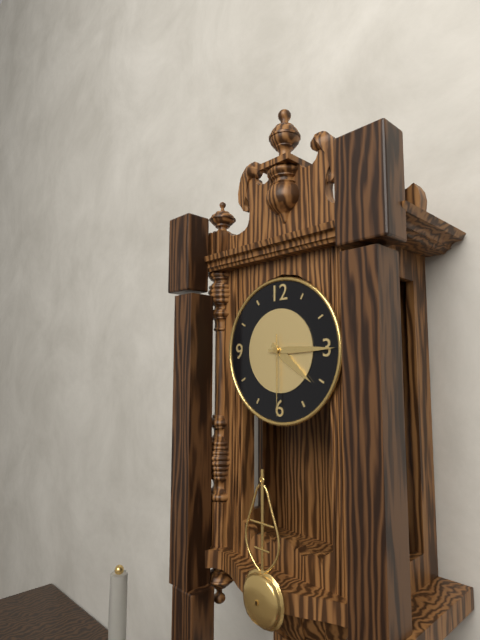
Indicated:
4:15:30
